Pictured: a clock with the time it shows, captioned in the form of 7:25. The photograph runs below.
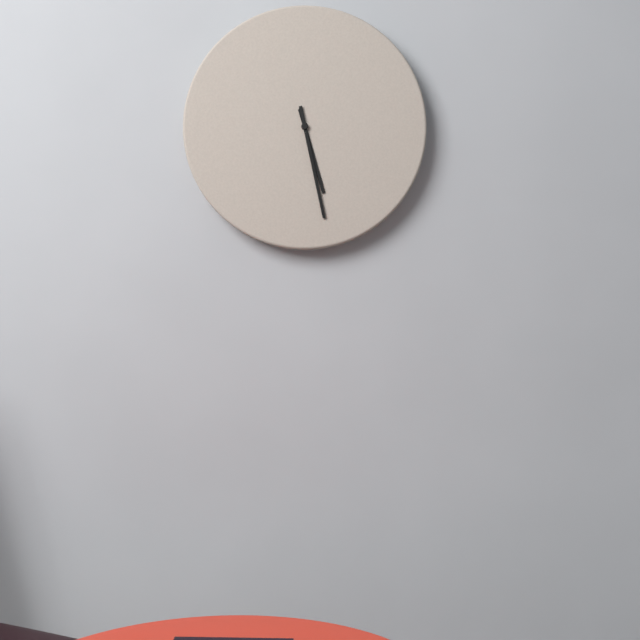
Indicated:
5:28
